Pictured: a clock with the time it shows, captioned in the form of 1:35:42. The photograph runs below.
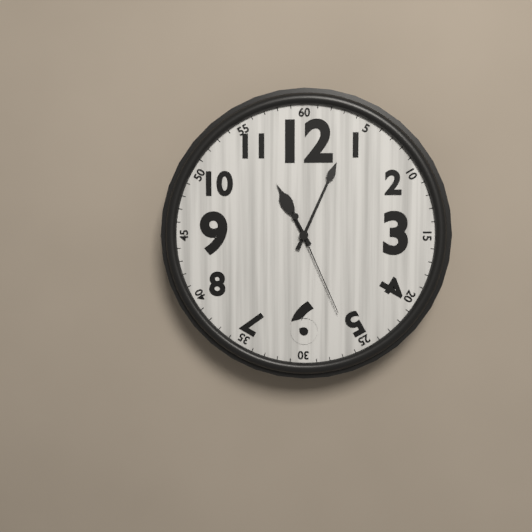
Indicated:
11:04:26
